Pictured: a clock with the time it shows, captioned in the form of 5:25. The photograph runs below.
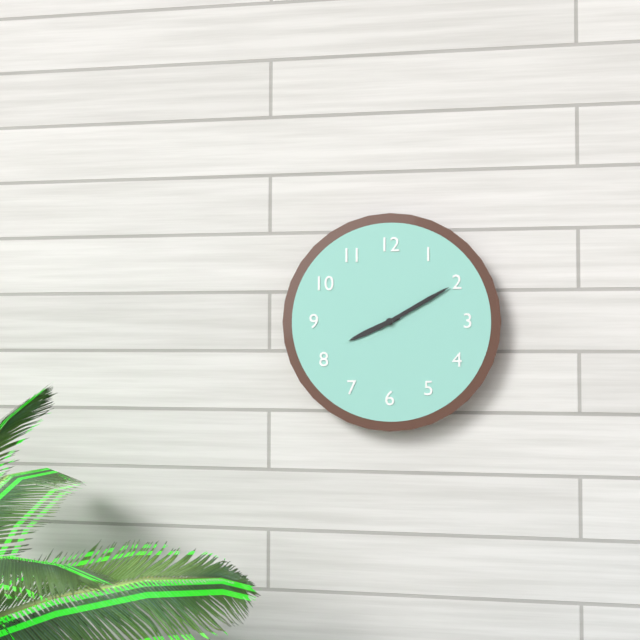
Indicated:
8:10
